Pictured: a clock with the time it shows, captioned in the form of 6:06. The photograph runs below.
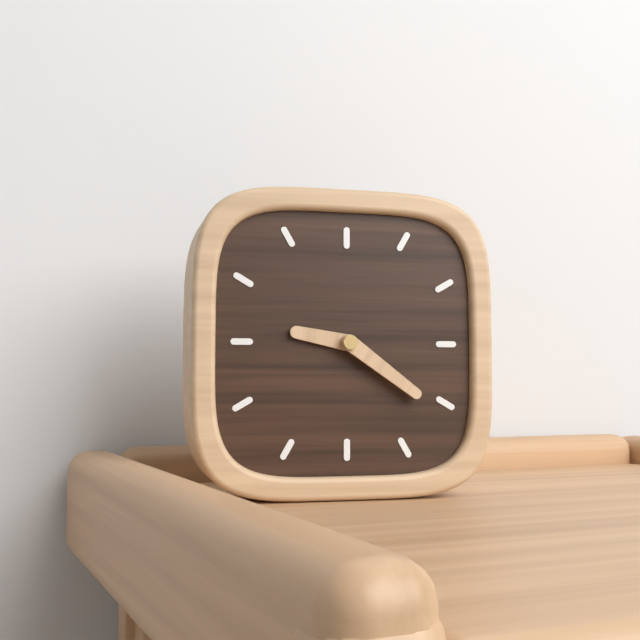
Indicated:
9:21
